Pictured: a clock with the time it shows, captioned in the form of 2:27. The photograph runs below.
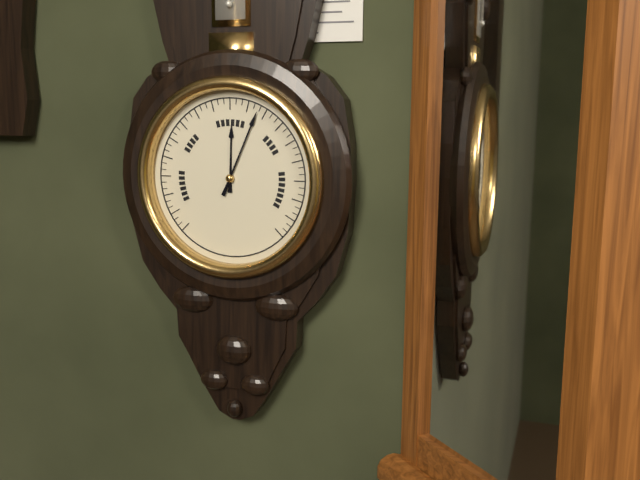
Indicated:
12:04
